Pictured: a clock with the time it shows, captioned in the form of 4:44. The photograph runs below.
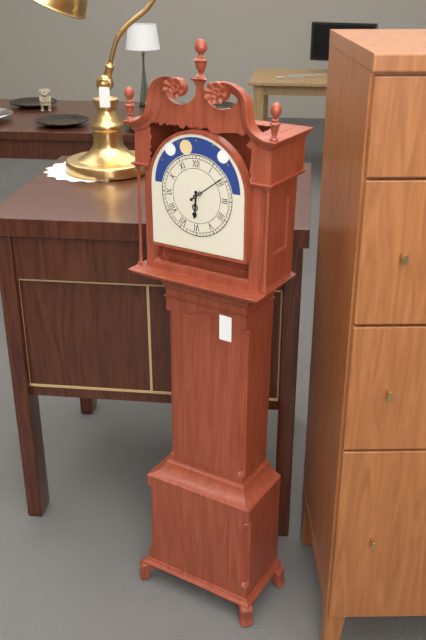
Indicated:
6:09
